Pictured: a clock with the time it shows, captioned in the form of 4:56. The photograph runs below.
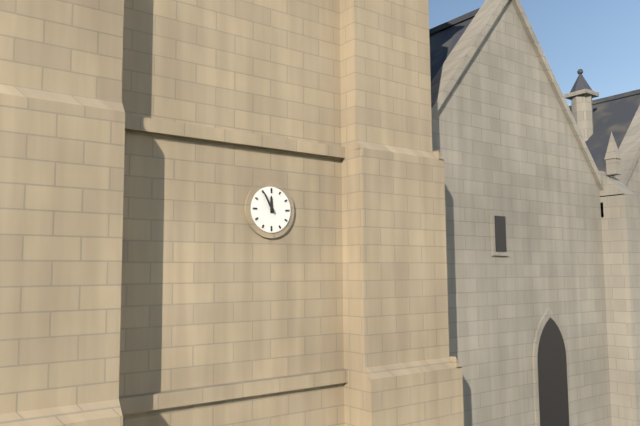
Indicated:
11:55
